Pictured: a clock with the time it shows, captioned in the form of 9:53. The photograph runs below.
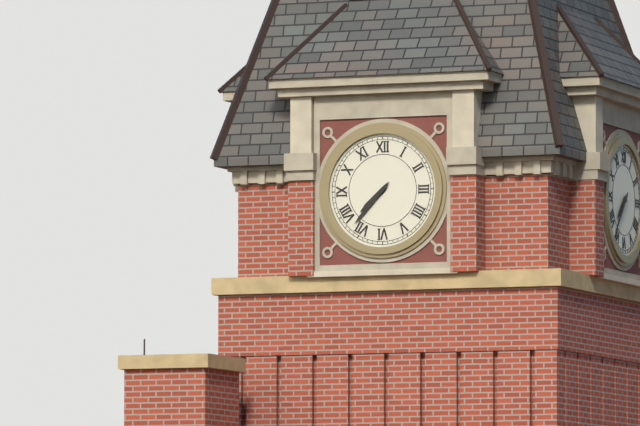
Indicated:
7:37
